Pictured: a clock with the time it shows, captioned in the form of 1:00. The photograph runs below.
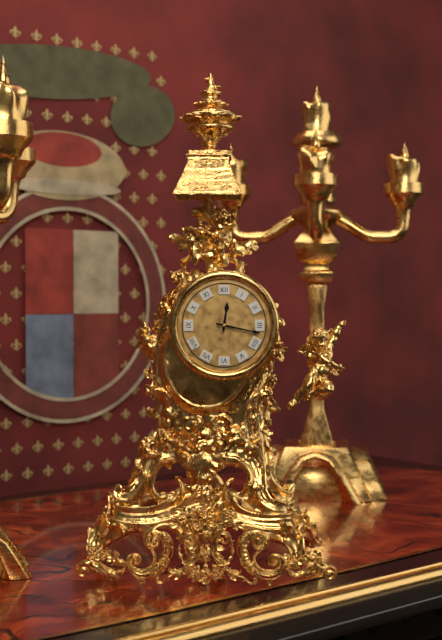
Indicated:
12:17
